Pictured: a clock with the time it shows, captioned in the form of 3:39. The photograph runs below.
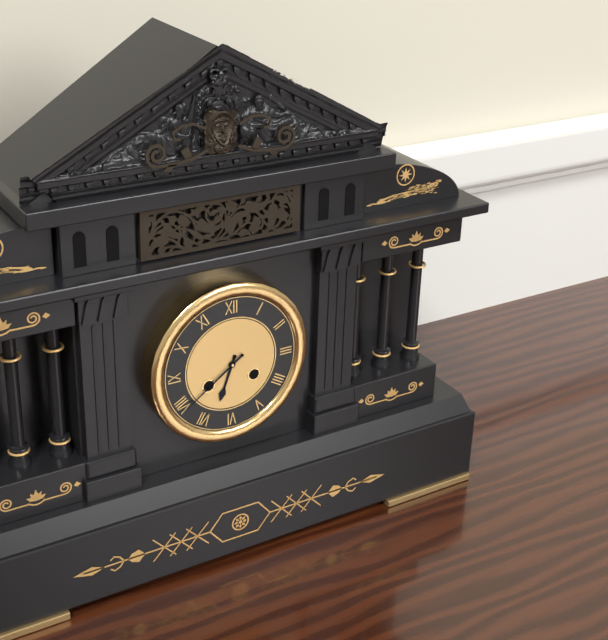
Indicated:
6:39
